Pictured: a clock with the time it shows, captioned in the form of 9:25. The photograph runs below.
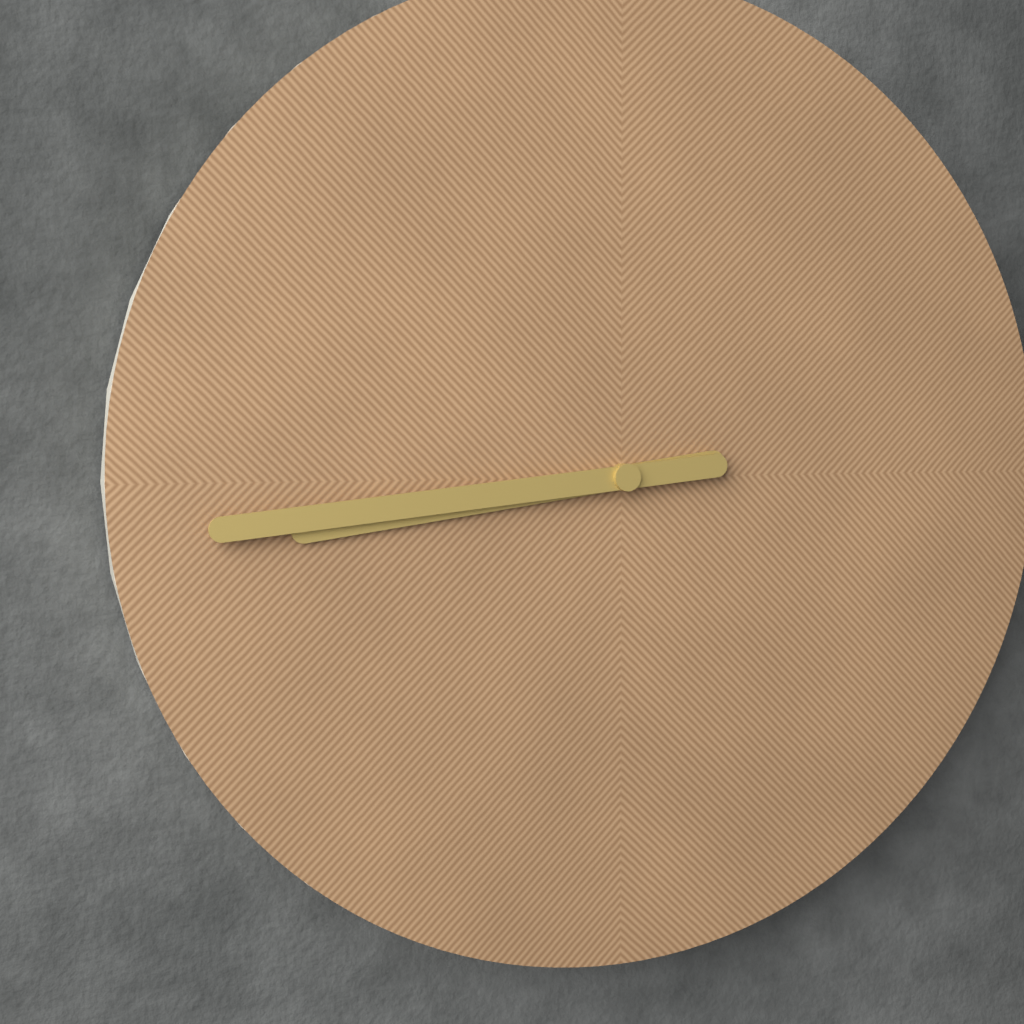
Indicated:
8:44
